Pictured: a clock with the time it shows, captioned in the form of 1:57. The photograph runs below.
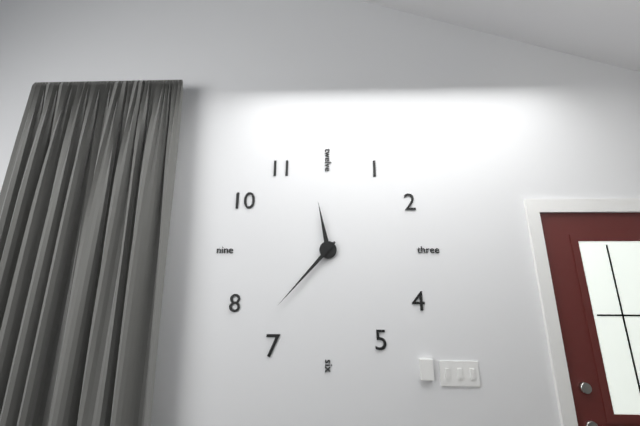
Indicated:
11:37
